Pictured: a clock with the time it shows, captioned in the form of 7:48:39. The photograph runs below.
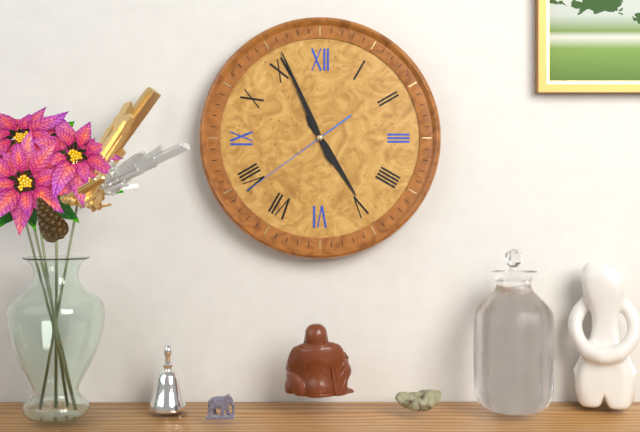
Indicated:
4:56:39
